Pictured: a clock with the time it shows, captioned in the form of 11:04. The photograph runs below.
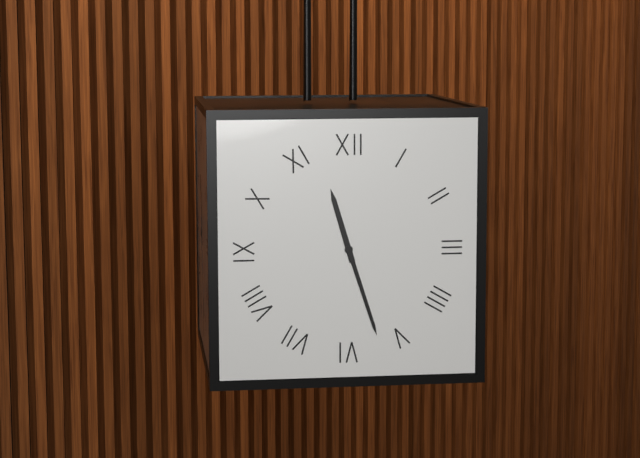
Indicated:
11:27
